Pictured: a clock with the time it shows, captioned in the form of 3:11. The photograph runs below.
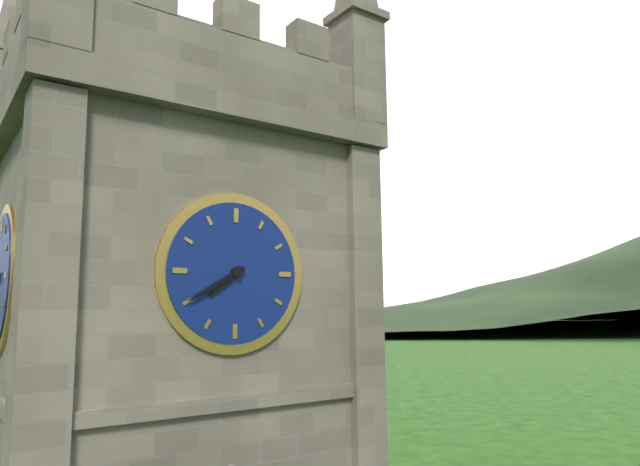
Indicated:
7:40
